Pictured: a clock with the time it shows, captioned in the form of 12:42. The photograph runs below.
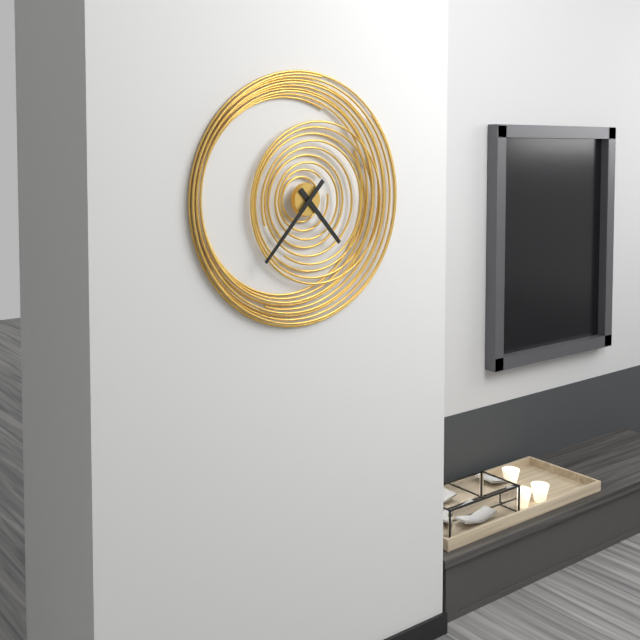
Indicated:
4:37
